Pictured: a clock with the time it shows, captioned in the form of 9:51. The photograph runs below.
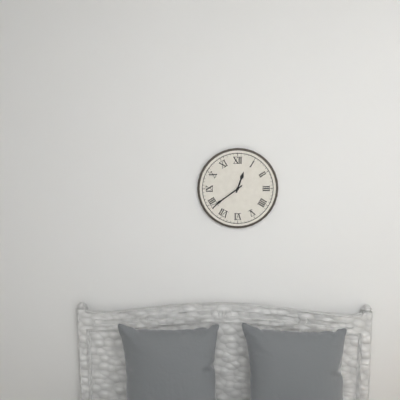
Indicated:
12:39
